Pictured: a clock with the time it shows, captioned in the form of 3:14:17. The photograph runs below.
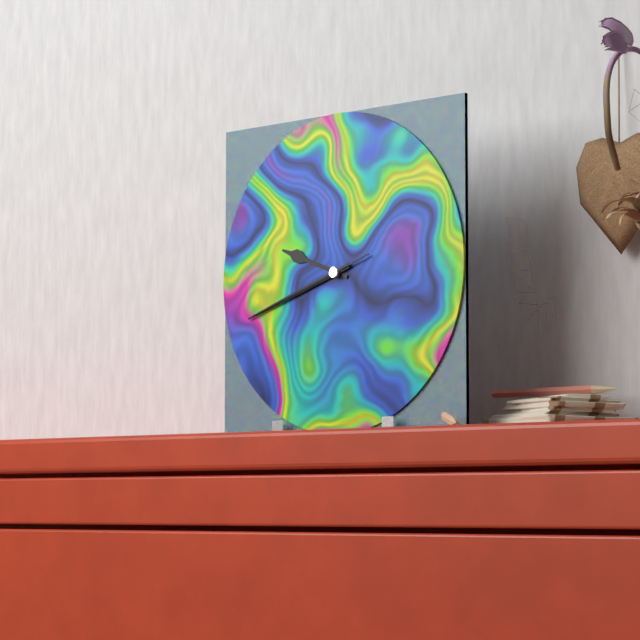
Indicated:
9:42:42
